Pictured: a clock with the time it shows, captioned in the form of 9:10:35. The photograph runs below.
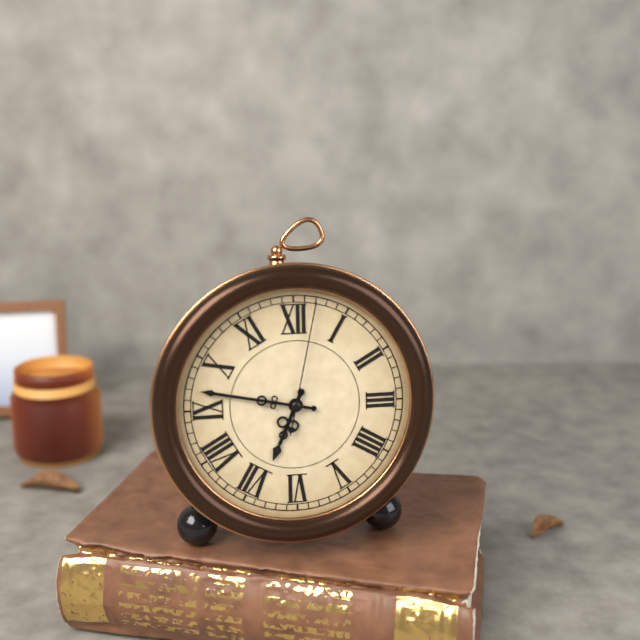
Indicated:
6:47:02
